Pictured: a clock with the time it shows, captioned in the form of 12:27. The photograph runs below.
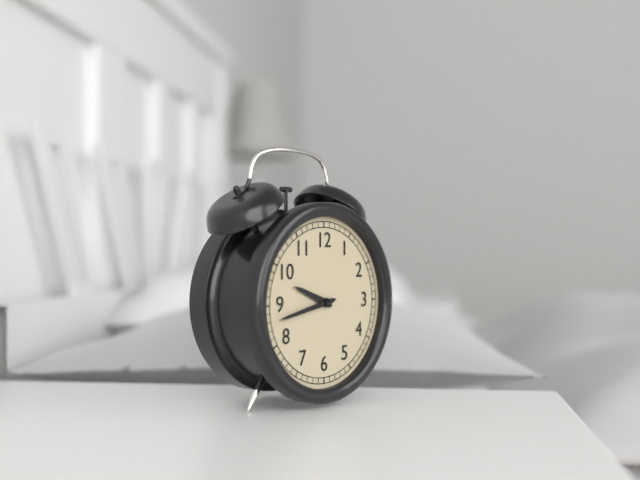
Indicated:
9:43
